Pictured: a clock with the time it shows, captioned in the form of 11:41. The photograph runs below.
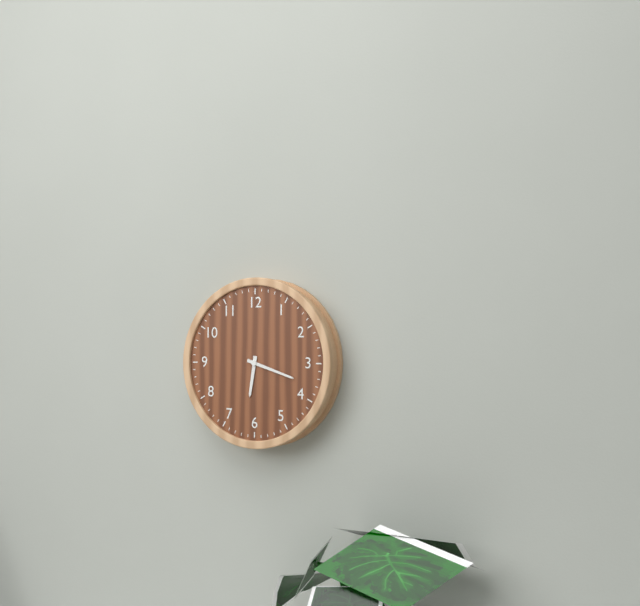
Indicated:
6:18
